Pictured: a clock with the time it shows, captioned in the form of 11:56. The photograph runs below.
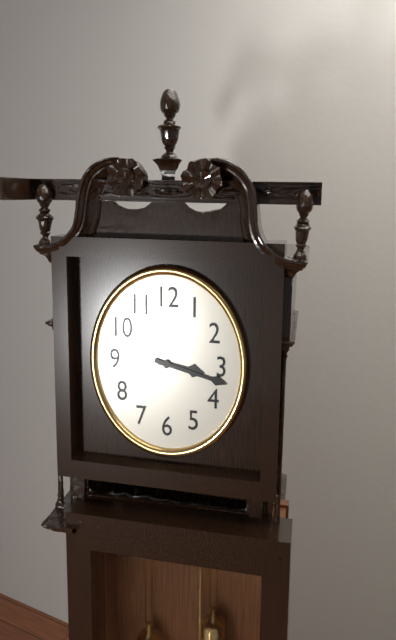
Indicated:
3:17
